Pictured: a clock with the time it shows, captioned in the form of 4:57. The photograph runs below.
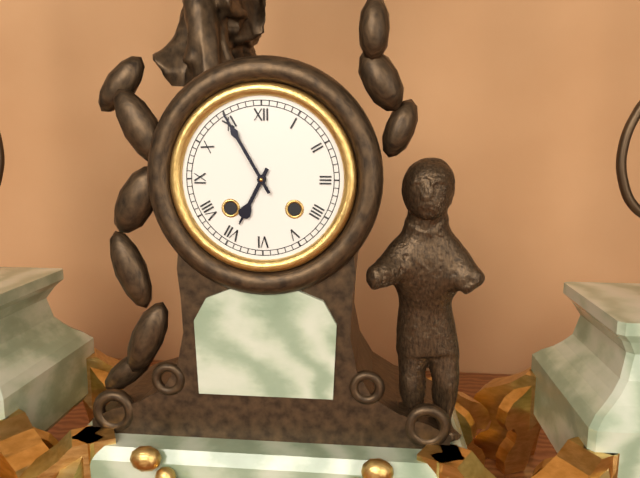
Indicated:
6:55
